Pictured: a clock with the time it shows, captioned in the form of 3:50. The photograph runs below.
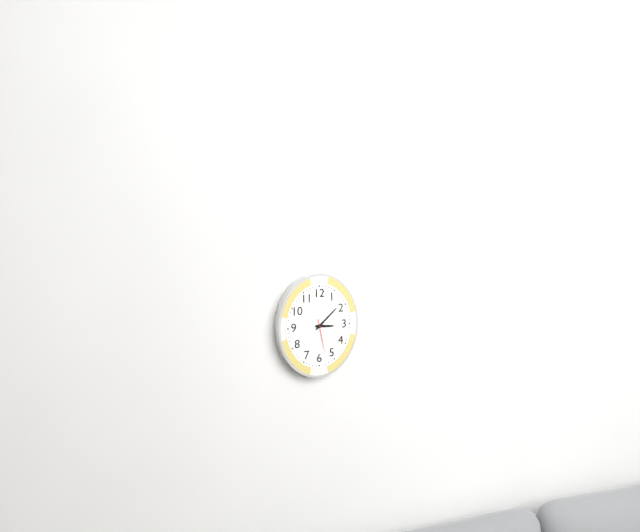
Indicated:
3:08
